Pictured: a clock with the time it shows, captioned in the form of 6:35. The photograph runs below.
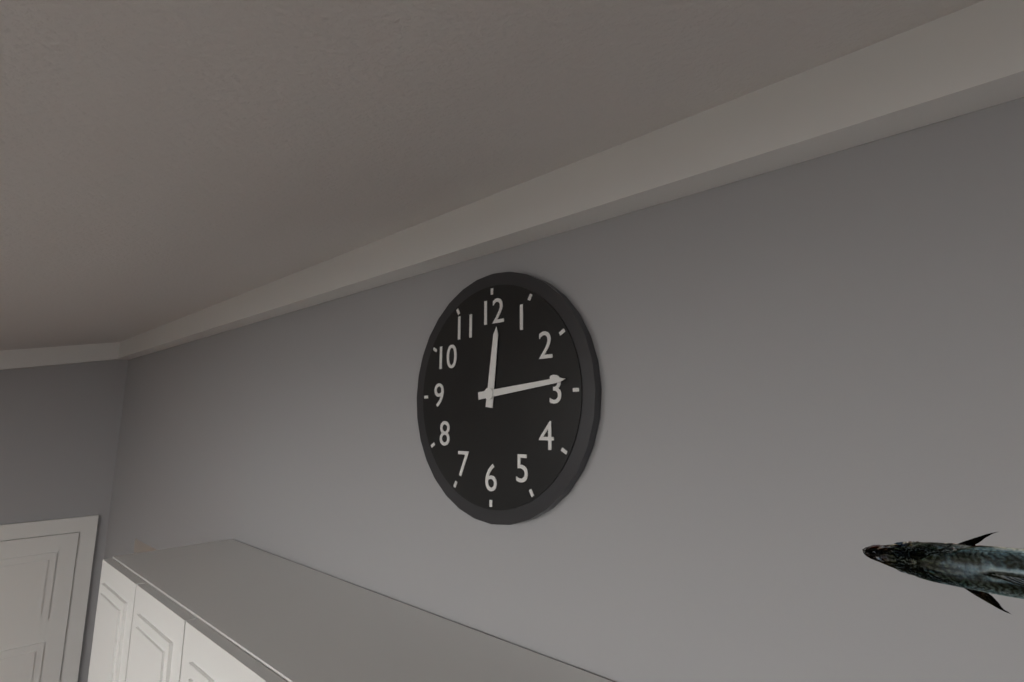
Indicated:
12:14
